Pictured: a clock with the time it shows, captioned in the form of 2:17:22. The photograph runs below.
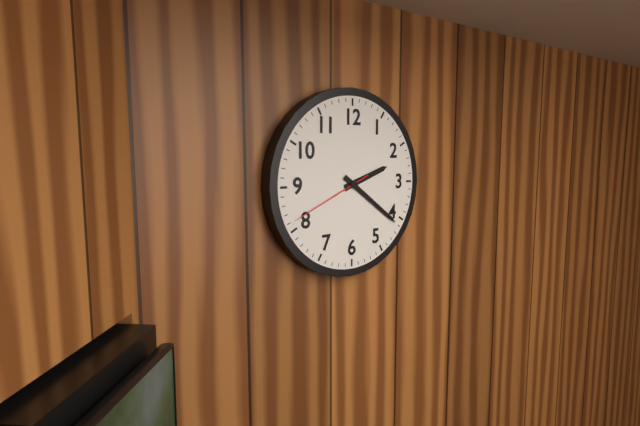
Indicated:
2:21:41
